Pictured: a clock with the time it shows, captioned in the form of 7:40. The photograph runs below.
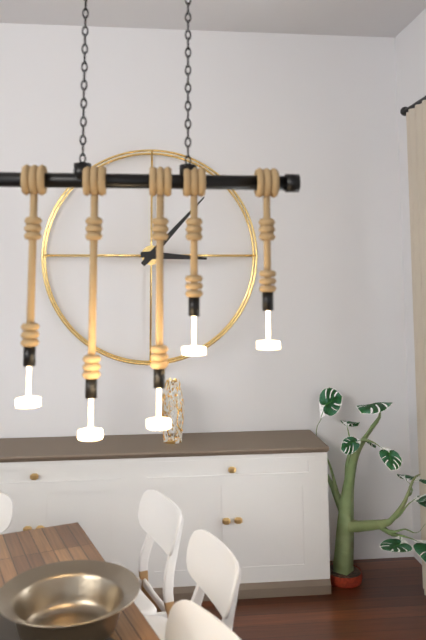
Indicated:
3:07
